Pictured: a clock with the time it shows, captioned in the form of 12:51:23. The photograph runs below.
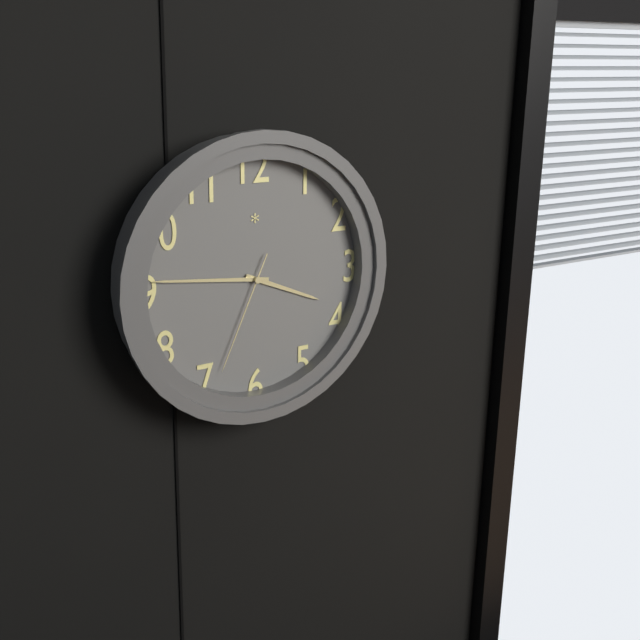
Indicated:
3:46:34
